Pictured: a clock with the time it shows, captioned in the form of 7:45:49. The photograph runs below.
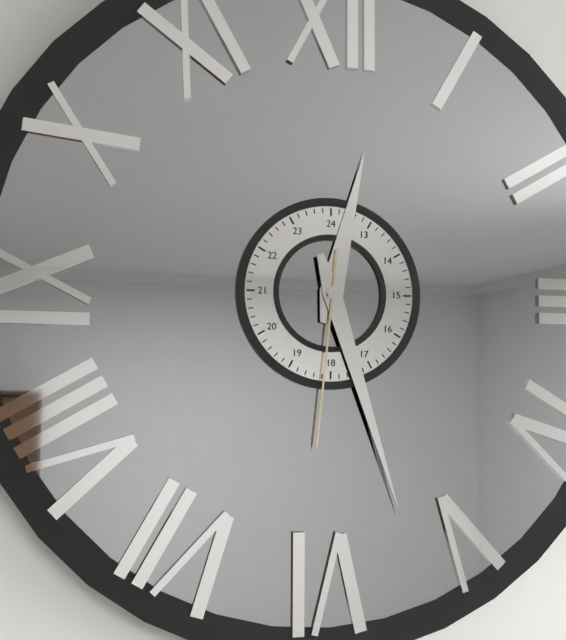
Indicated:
12:27:31
